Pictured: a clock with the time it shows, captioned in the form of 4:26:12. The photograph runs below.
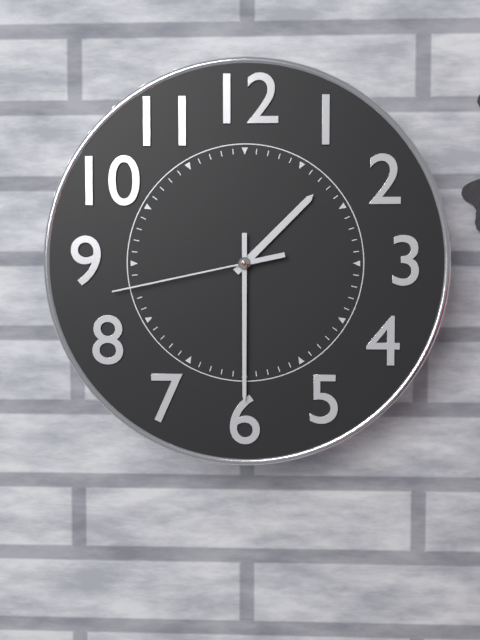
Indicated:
1:30:43
